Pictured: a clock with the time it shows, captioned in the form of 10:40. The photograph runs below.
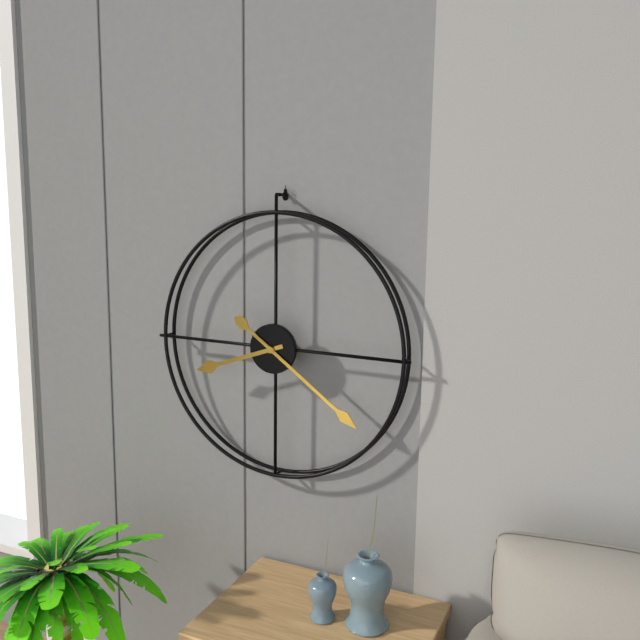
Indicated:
8:21
